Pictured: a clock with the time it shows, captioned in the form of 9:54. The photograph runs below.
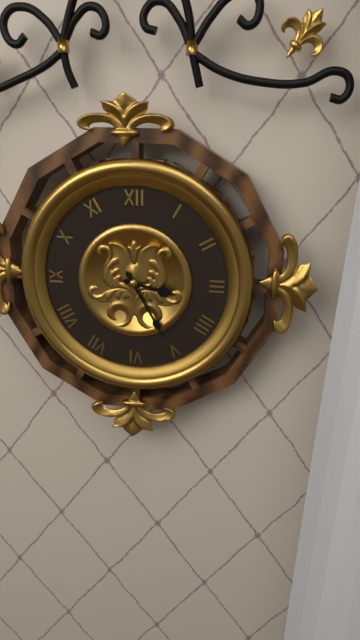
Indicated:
3:25
